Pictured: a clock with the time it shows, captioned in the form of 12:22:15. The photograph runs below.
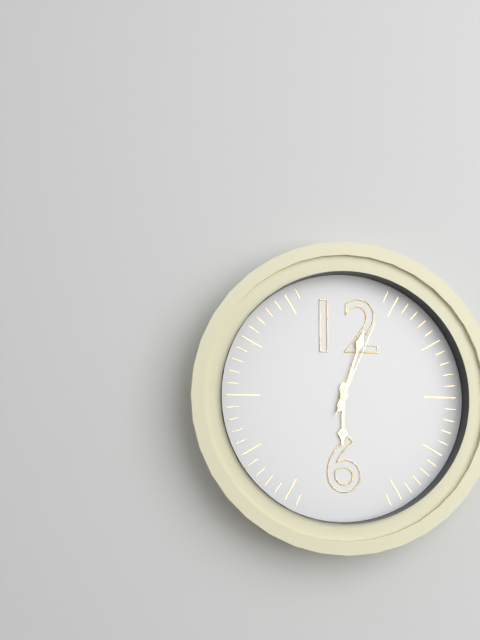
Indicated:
6:03:04
